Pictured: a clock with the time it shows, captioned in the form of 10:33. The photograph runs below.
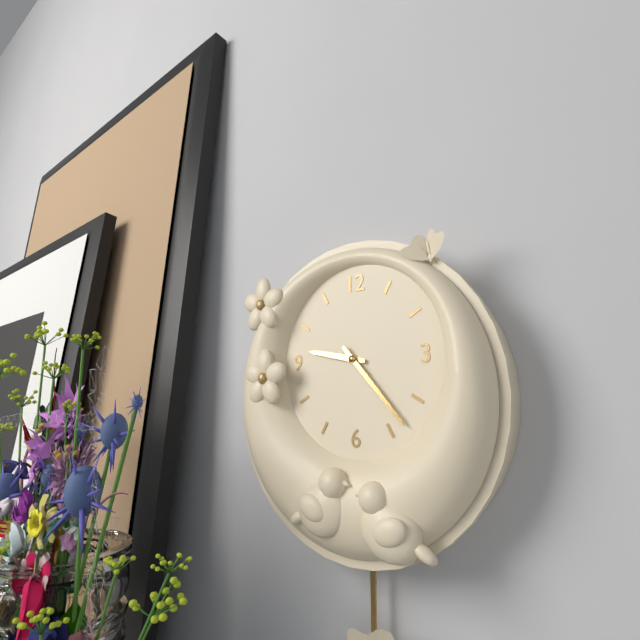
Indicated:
9:23
